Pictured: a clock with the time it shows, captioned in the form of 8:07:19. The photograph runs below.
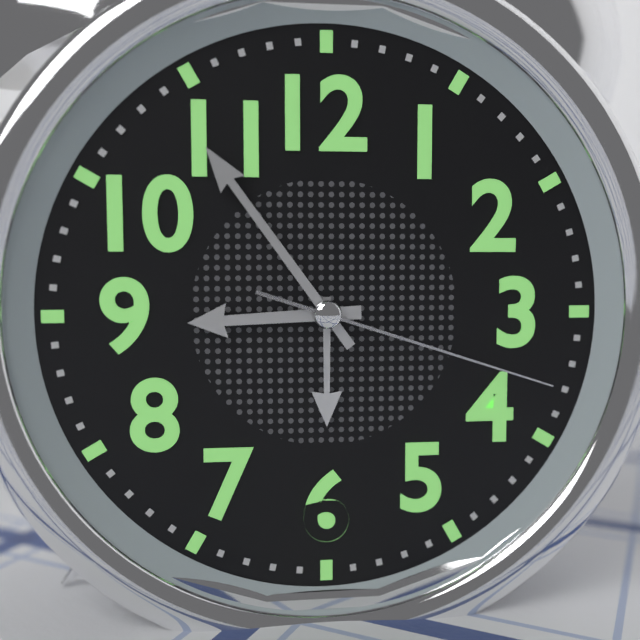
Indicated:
8:54:18
